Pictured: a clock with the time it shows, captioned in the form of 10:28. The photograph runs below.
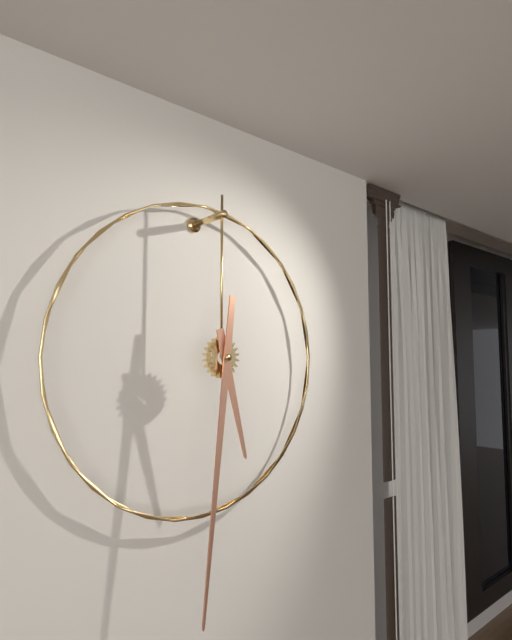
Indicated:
5:31
